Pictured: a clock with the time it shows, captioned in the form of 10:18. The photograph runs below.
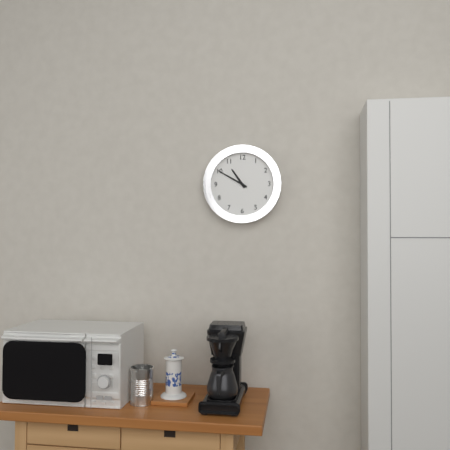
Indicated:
10:50
